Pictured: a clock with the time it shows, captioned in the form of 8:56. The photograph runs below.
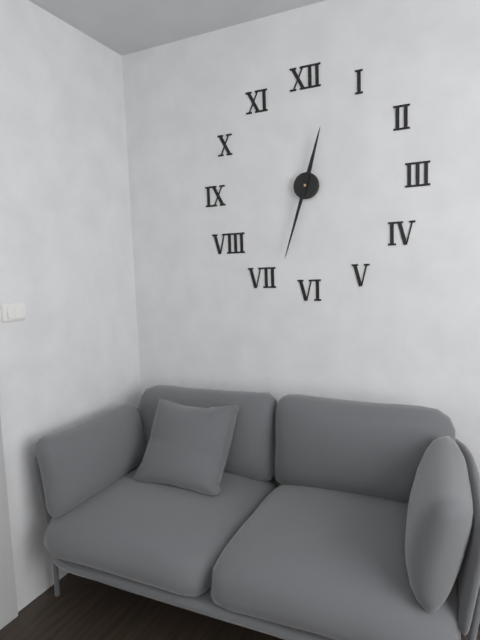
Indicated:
12:33
